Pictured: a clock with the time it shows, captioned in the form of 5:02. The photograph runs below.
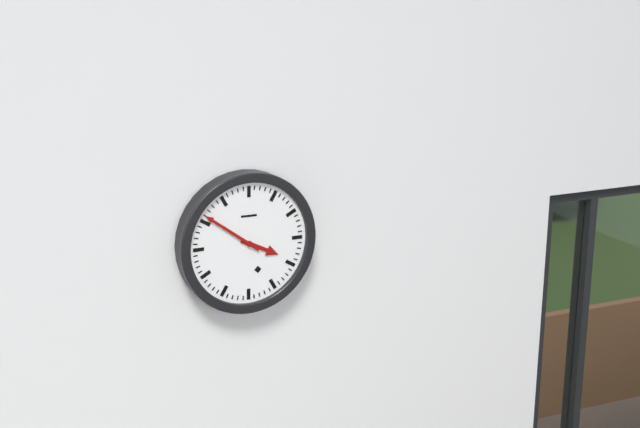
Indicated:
3:51
